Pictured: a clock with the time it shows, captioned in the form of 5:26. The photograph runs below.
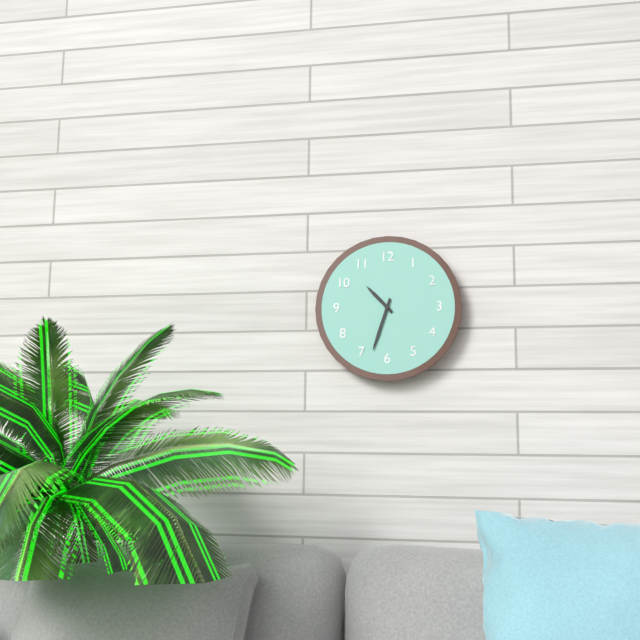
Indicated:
10:33
